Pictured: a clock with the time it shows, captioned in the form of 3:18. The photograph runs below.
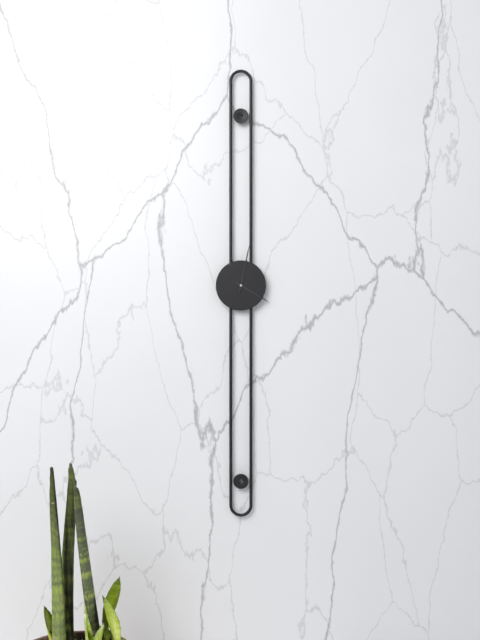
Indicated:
4:02
